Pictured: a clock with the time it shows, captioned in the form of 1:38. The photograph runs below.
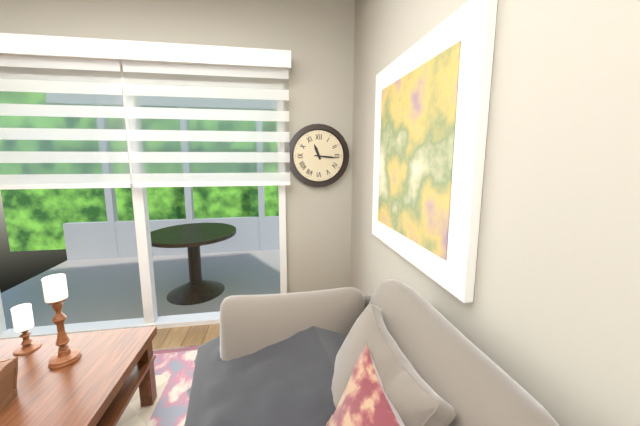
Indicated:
11:16
